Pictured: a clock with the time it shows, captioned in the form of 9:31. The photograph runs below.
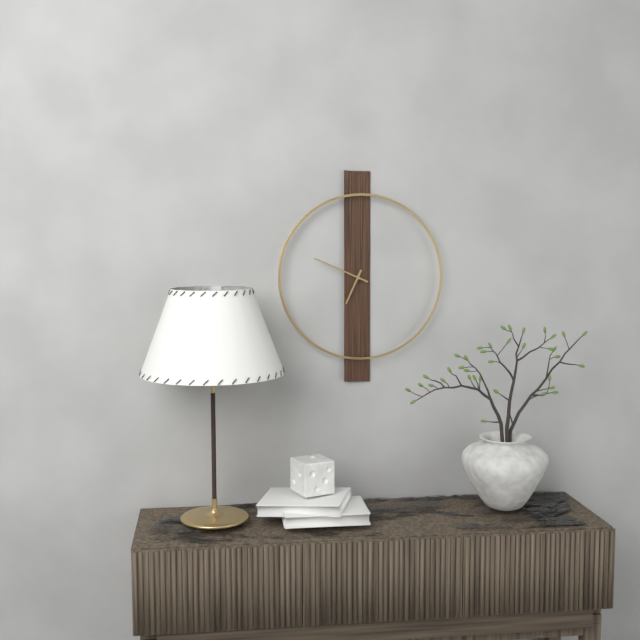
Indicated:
6:49
